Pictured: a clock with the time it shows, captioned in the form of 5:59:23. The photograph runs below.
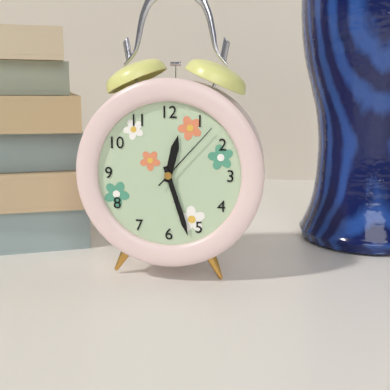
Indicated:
12:27:07
